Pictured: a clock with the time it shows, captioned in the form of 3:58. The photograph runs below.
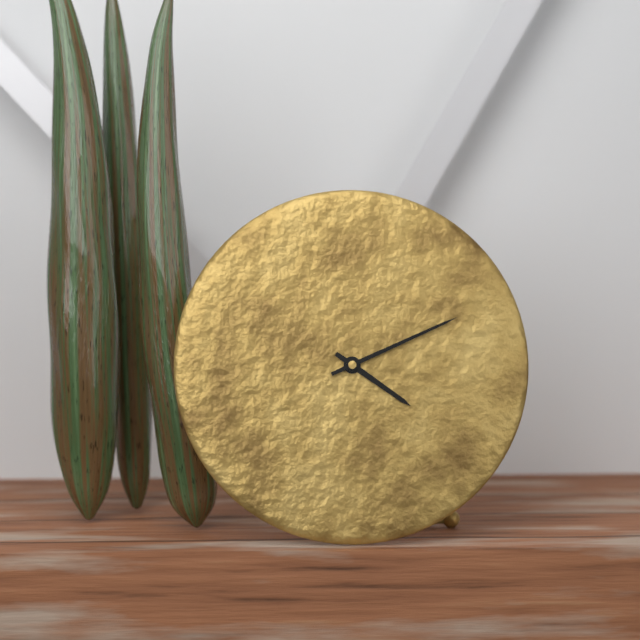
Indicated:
4:11
